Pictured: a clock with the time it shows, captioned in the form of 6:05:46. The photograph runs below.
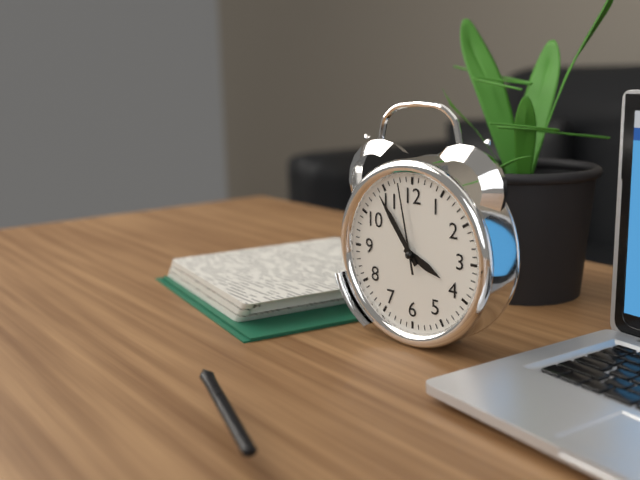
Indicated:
3:54:58
